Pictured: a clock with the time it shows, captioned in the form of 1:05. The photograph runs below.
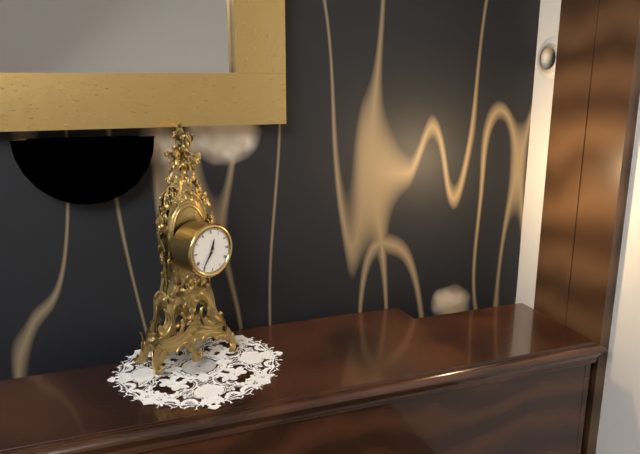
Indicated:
12:36
